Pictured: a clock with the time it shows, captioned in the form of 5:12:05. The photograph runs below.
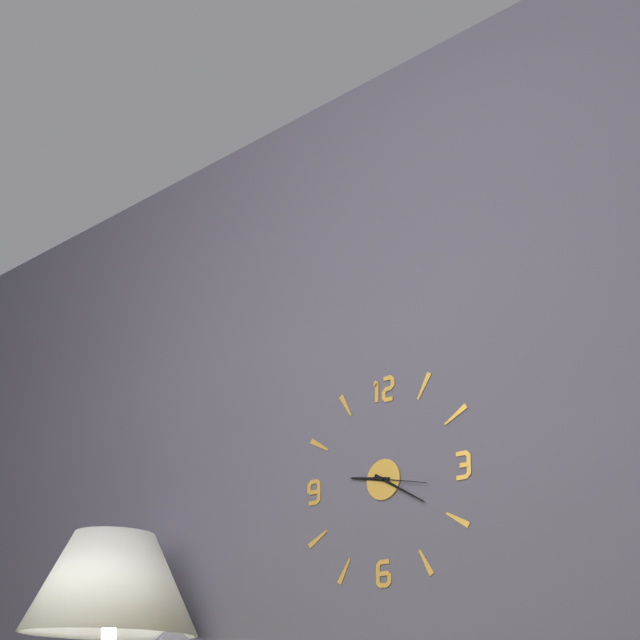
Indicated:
9:20:17
